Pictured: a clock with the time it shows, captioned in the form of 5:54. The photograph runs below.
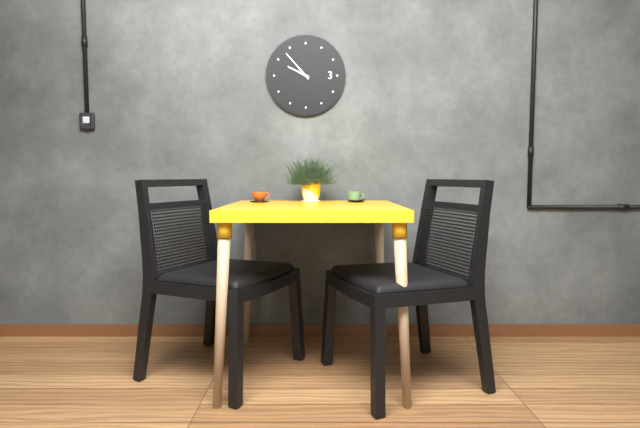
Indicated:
9:53
